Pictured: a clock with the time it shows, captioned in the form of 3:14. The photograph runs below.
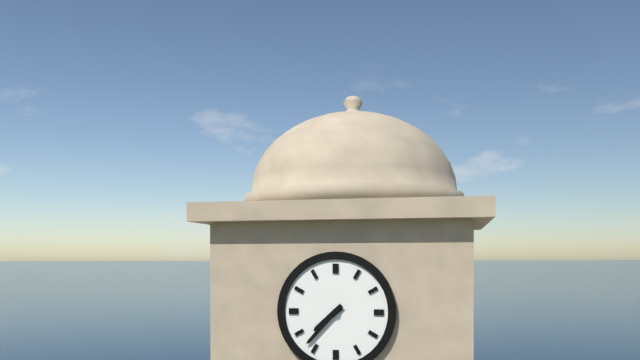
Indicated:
7:37
